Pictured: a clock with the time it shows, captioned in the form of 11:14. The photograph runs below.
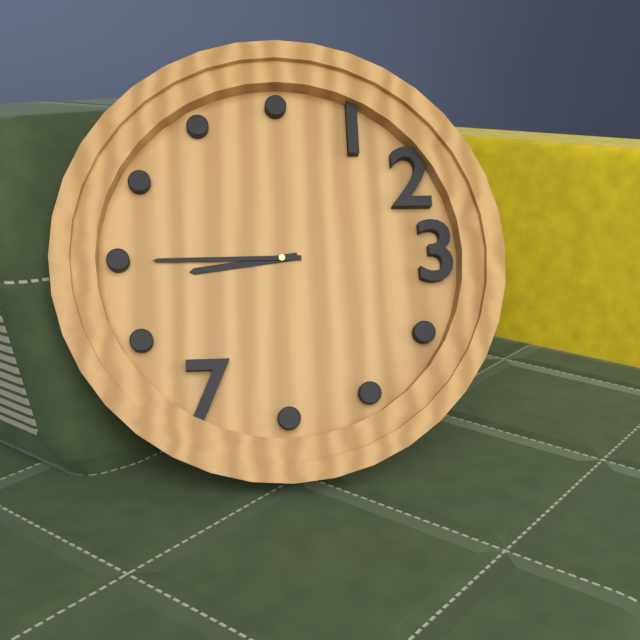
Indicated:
8:45
